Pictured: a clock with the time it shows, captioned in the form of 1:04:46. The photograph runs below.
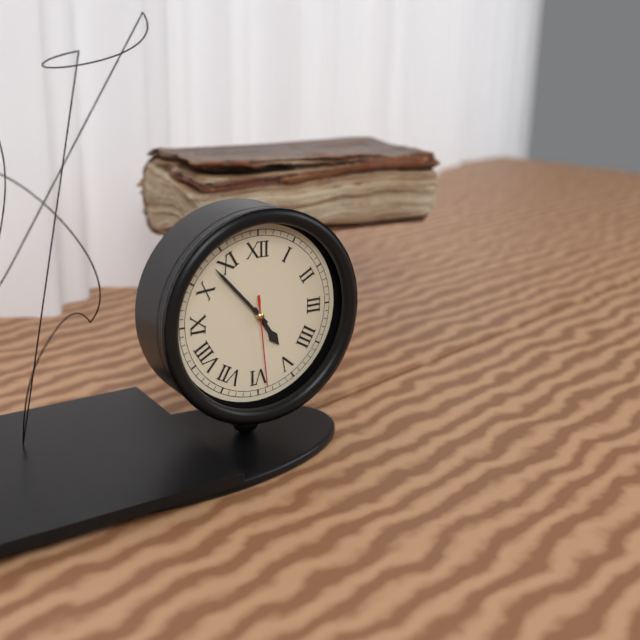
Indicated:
4:53:29
